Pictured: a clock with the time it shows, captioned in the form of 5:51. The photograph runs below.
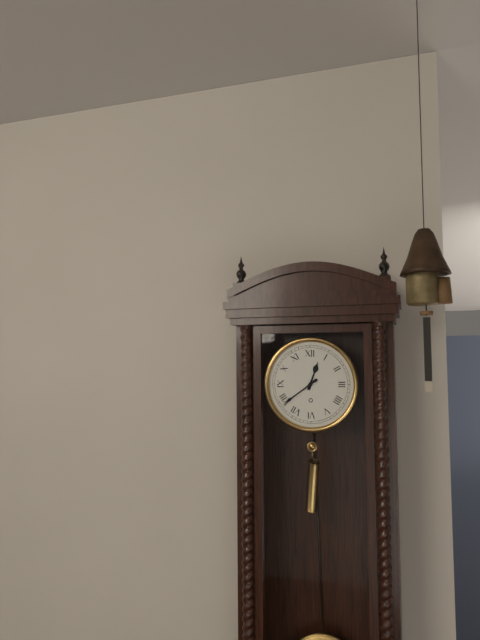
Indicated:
12:39
